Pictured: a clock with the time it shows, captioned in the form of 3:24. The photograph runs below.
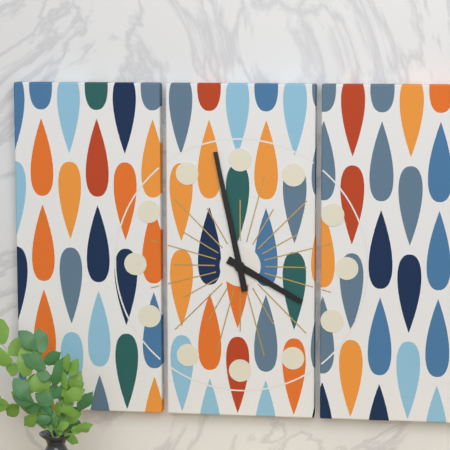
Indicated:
3:58
